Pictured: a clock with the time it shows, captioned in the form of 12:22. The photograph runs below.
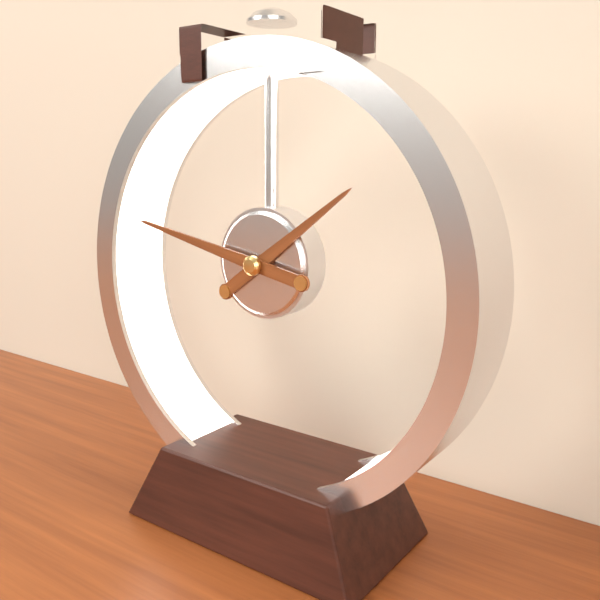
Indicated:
1:47
